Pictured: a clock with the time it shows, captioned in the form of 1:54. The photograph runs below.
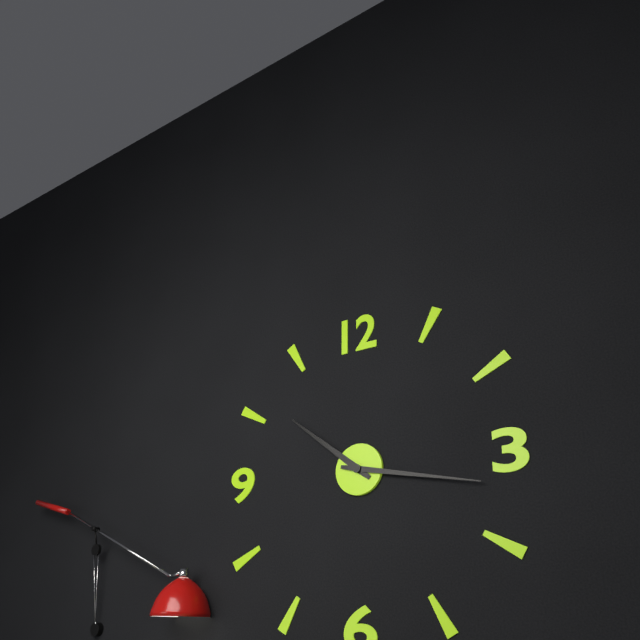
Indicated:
10:17
